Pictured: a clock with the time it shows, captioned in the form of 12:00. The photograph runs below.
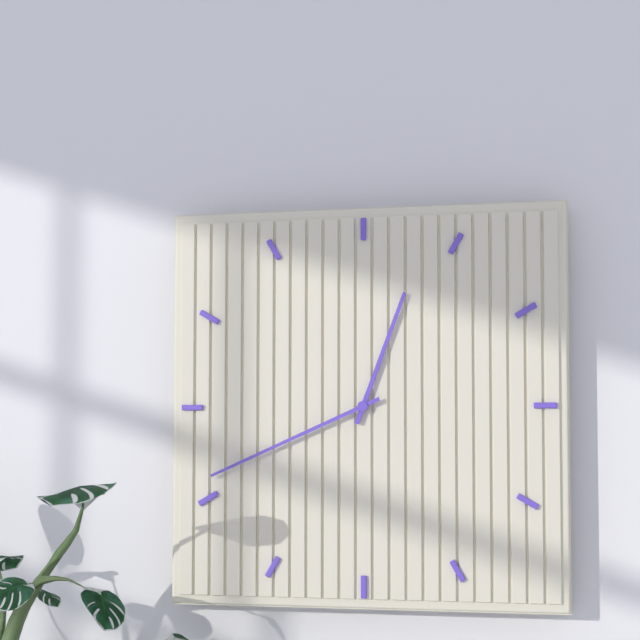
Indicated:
12:41
